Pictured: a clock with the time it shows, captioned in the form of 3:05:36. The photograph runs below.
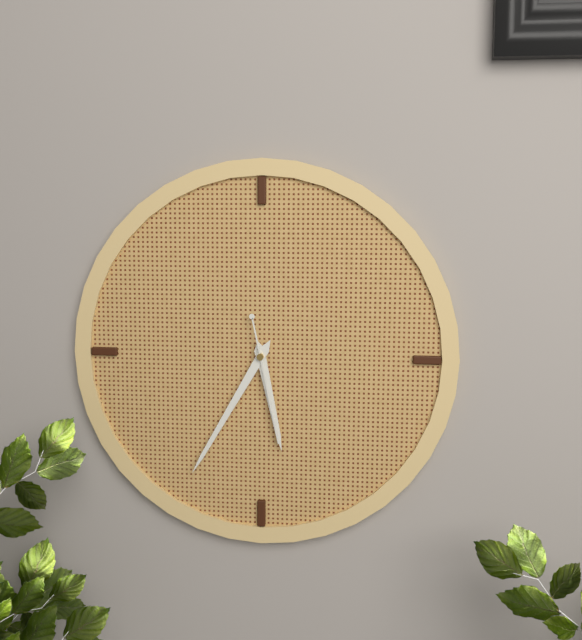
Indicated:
5:35:28
